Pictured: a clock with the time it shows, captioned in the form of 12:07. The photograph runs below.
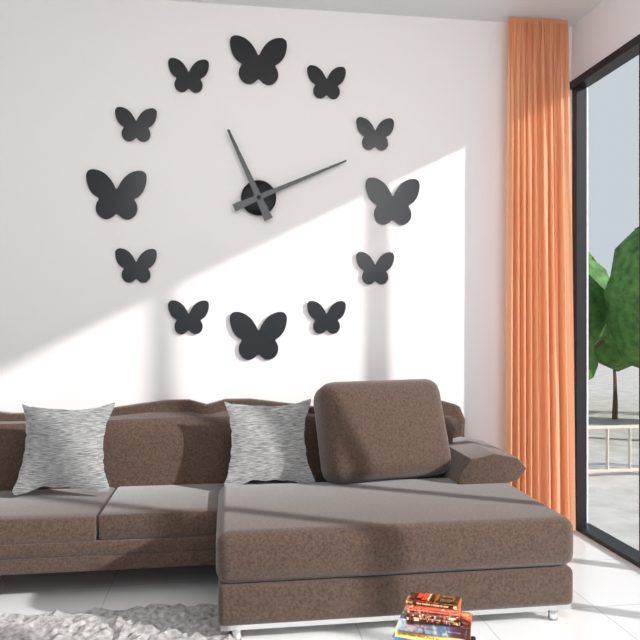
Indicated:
11:11
